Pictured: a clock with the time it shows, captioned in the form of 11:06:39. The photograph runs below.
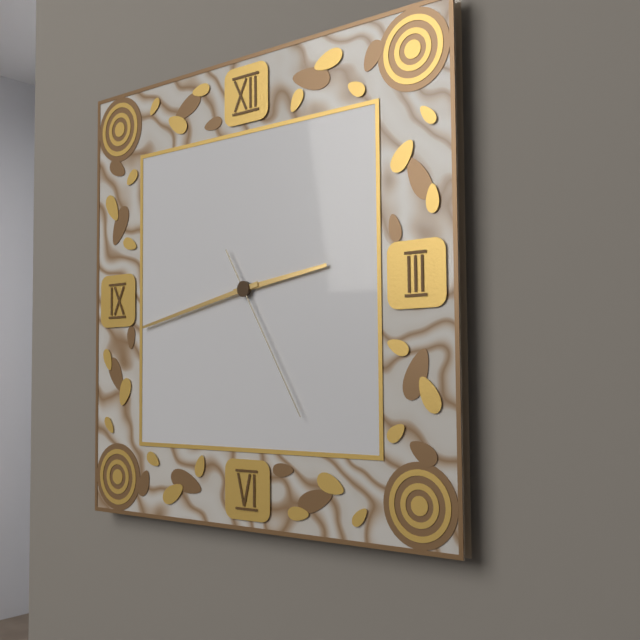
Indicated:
2:43:25
